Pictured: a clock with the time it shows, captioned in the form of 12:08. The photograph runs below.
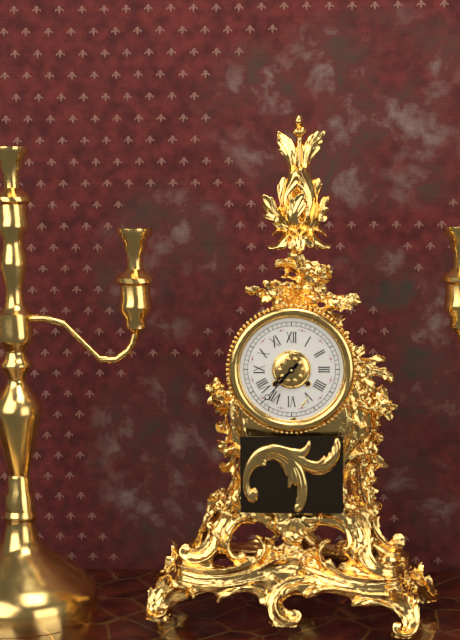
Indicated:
7:37
